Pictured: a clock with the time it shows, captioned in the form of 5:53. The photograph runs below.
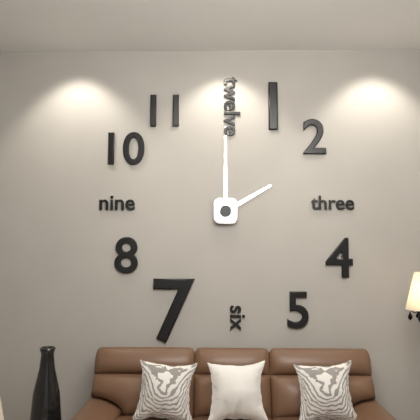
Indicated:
2:00
